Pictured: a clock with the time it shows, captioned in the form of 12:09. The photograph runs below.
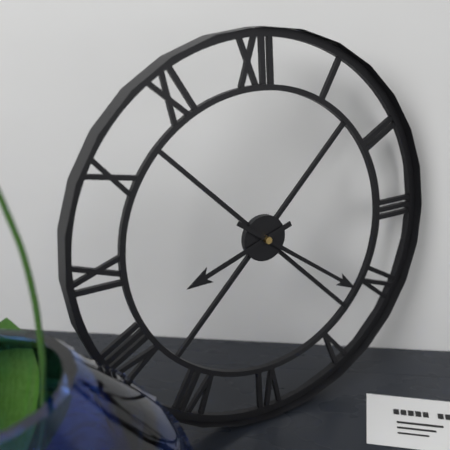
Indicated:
8:21
